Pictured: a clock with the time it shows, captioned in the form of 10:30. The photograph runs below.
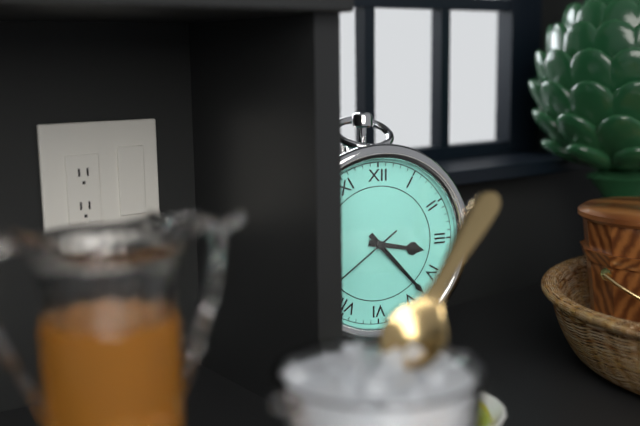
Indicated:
3:23
